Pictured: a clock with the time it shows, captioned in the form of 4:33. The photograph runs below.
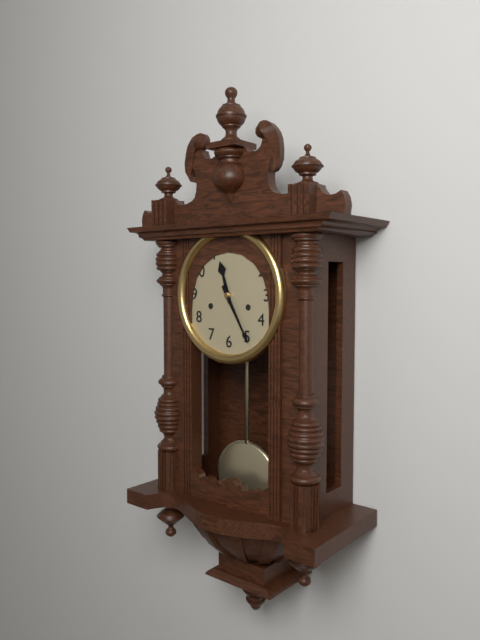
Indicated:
11:25
